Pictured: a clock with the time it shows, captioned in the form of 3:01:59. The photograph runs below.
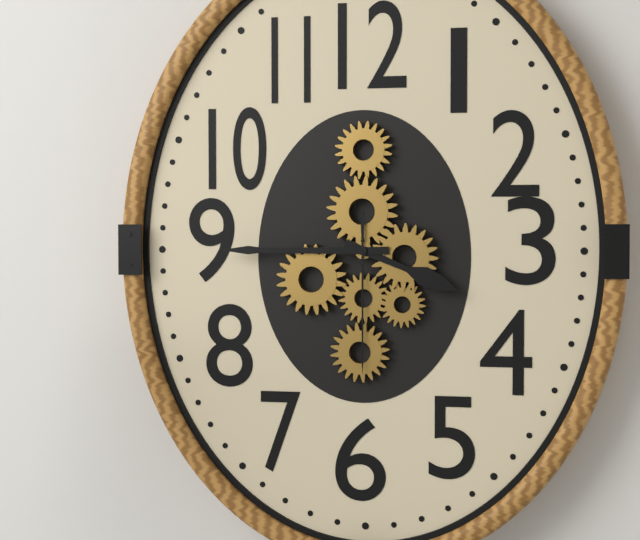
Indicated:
3:45:30
